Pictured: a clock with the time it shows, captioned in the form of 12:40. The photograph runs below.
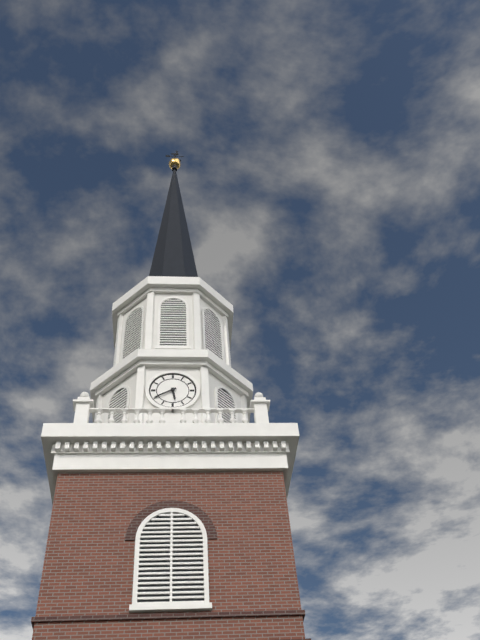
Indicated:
5:40
